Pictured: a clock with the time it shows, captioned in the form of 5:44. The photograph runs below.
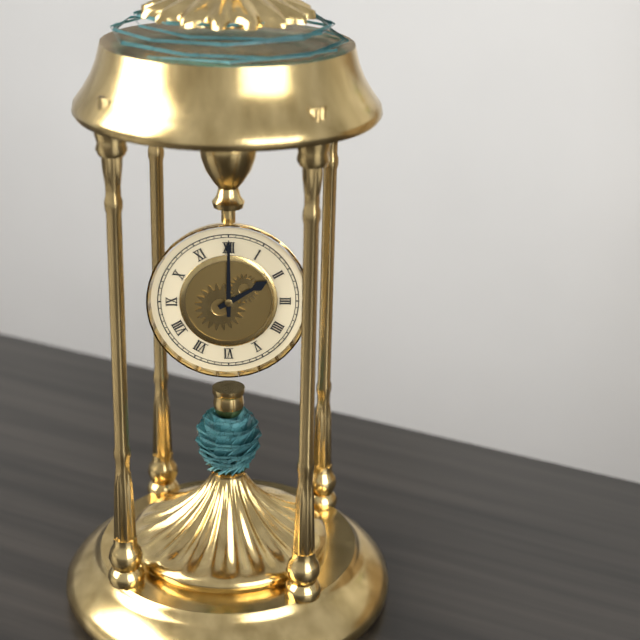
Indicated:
2:00
